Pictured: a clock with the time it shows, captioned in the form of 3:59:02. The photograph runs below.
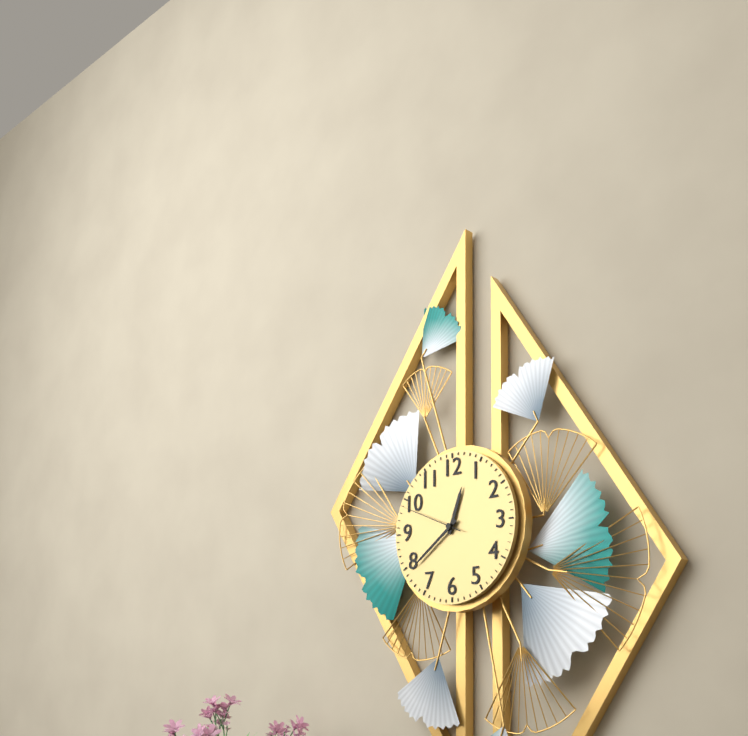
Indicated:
12:39:49
